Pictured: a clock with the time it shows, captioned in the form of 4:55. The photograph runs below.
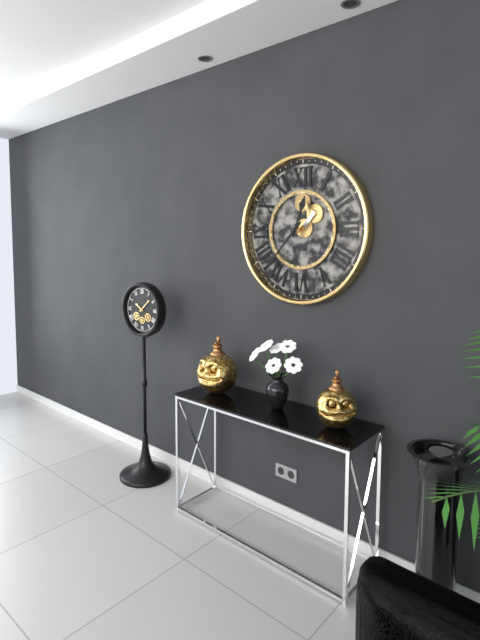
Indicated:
12:37
